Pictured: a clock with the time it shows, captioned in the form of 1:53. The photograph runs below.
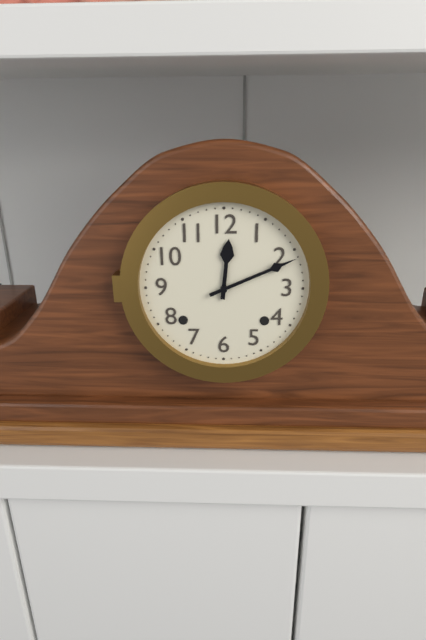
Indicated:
12:11
